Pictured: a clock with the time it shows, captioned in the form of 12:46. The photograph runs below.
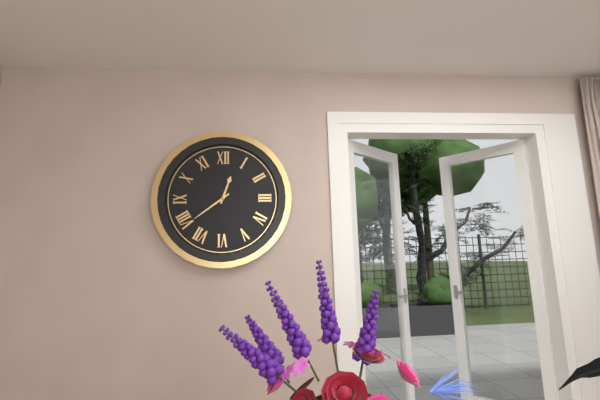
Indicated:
12:39
